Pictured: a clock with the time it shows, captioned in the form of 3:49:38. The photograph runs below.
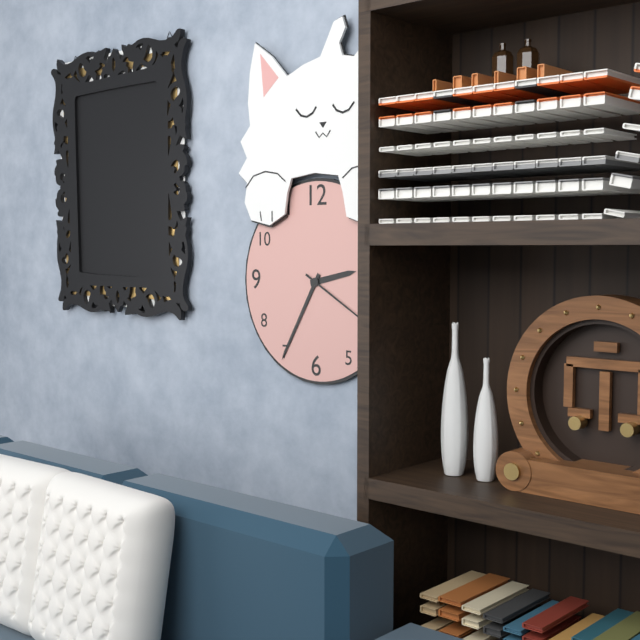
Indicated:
2:35:20
